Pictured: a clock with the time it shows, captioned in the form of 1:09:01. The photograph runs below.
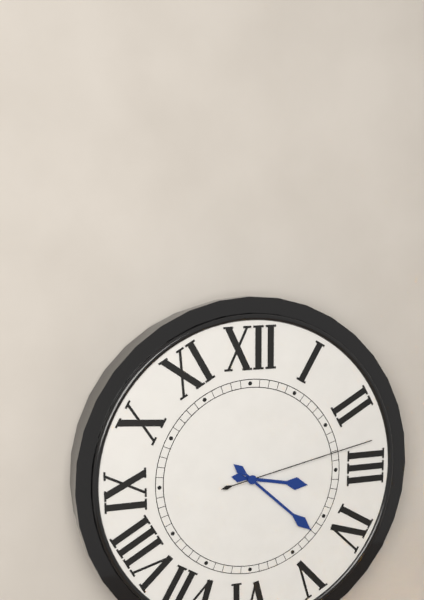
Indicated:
3:22:13
